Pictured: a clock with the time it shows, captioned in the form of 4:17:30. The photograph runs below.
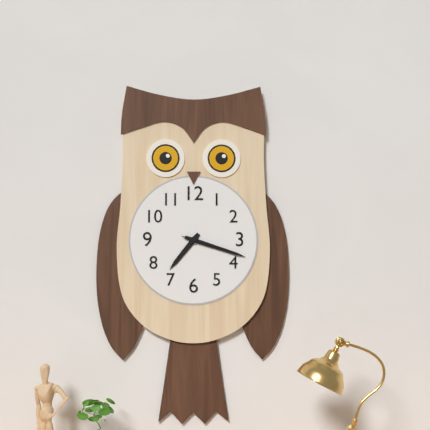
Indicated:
7:18:18
